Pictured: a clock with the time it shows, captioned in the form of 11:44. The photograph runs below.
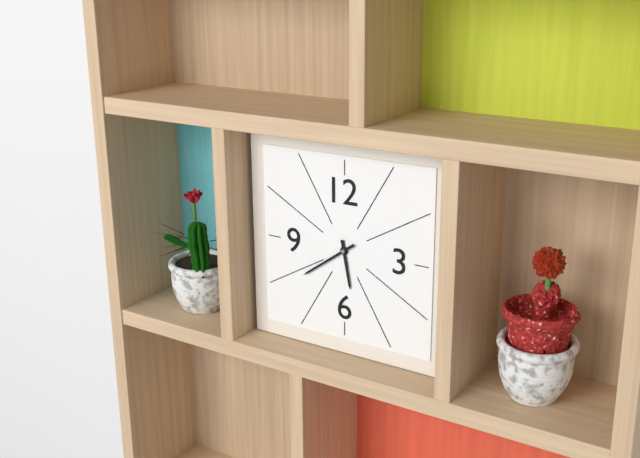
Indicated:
5:39
